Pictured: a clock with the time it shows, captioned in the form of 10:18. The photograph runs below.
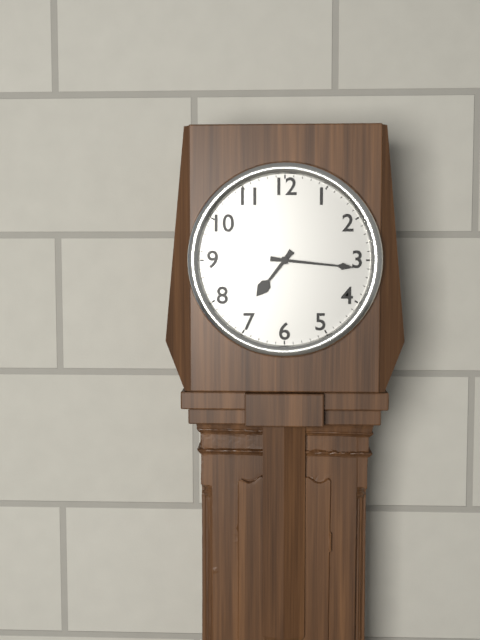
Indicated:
7:16
